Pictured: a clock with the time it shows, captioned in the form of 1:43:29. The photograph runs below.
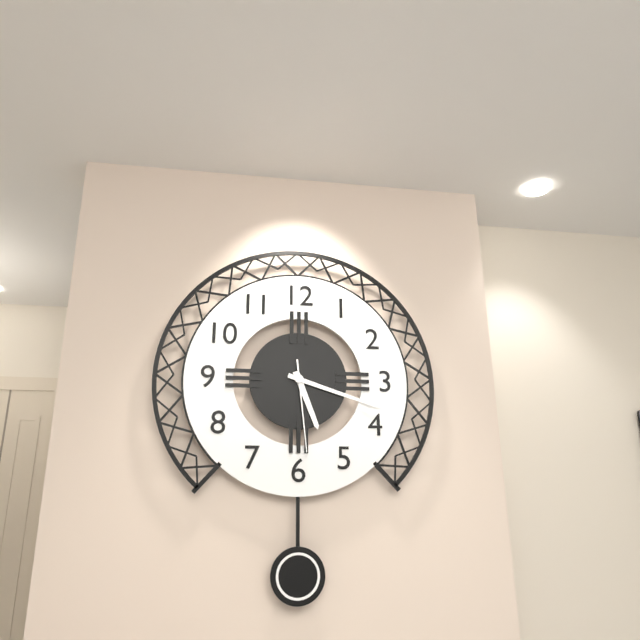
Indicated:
5:18:29
